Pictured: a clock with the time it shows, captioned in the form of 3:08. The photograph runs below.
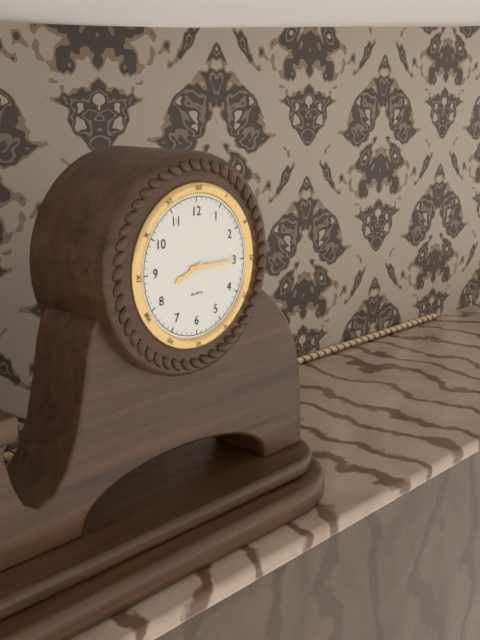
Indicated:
8:15
